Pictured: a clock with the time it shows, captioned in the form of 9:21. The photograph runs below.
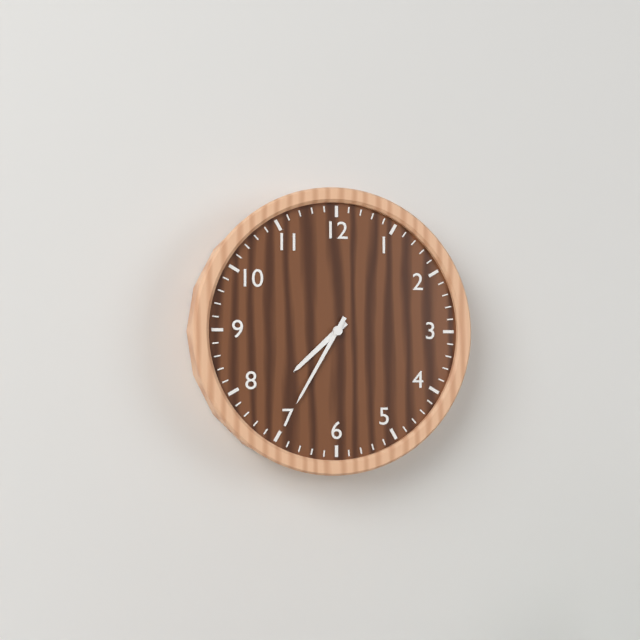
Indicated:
7:35
